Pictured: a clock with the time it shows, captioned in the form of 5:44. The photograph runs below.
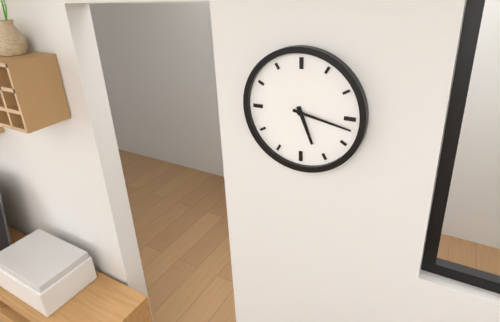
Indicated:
5:17
